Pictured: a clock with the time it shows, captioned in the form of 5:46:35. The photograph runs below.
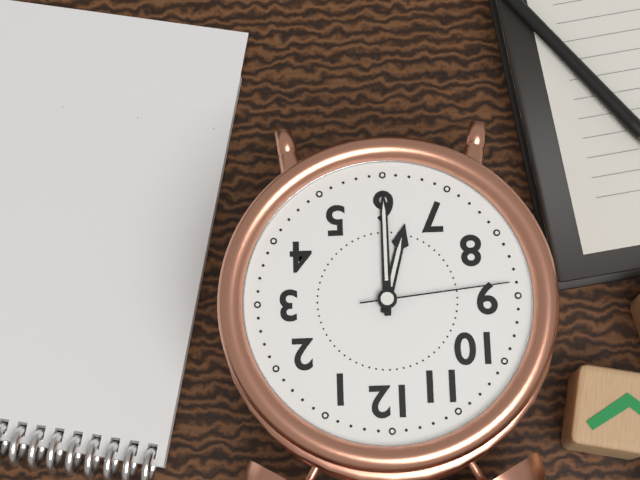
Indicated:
6:30:44
